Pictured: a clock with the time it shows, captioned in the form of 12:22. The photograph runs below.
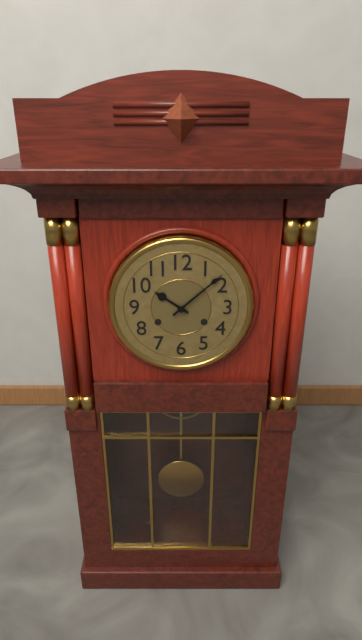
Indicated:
10:08
